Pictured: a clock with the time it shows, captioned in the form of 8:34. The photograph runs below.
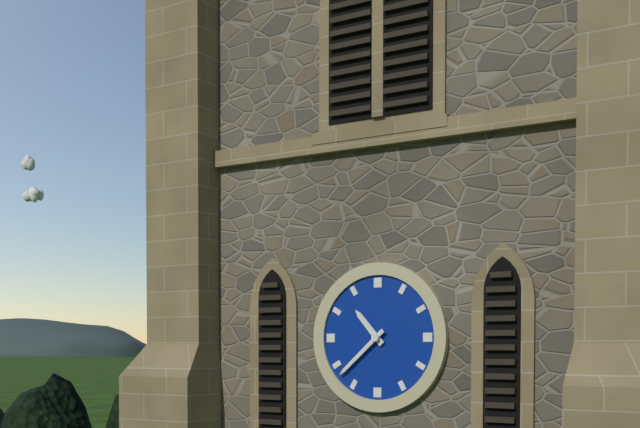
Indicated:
10:38
